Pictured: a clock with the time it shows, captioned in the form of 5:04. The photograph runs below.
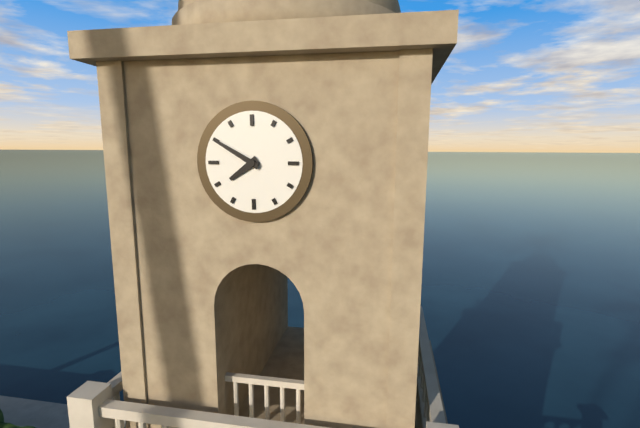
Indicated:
7:50
